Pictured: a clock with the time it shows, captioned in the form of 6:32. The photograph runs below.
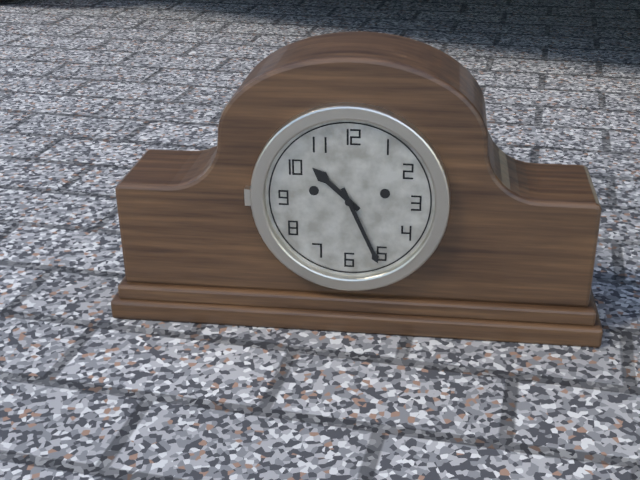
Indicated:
10:26
